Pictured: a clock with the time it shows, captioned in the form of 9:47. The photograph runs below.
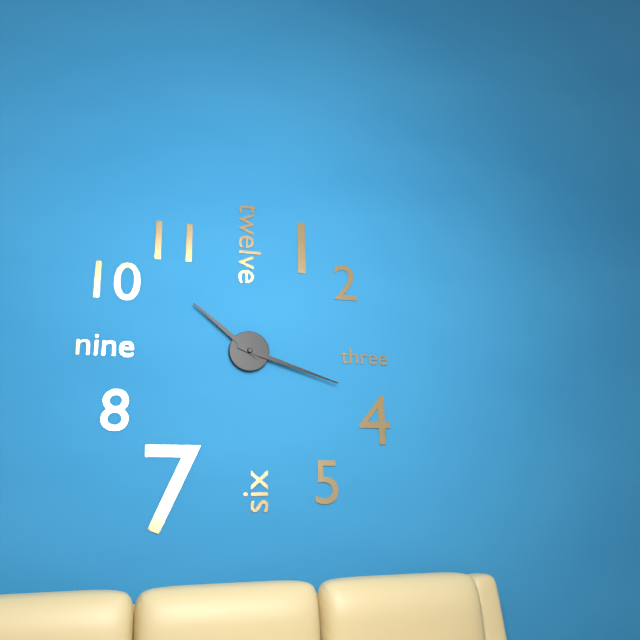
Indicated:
10:18
